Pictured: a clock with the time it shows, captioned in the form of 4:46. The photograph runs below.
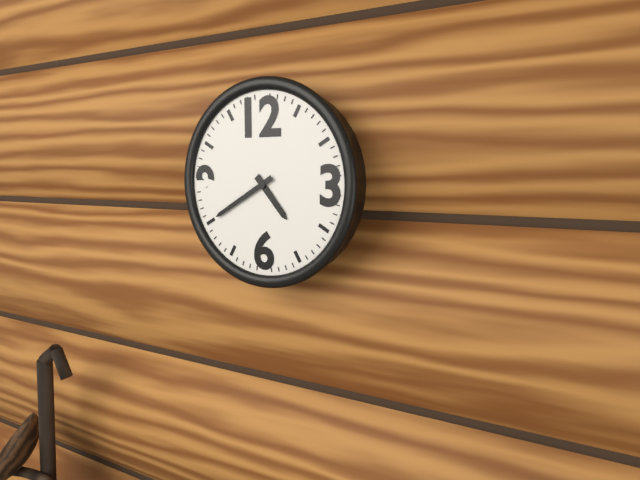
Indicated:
4:40
